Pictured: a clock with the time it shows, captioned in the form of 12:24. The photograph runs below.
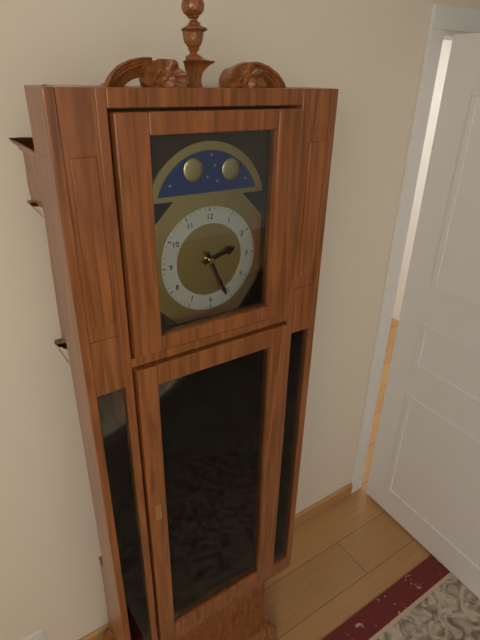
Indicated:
2:26
